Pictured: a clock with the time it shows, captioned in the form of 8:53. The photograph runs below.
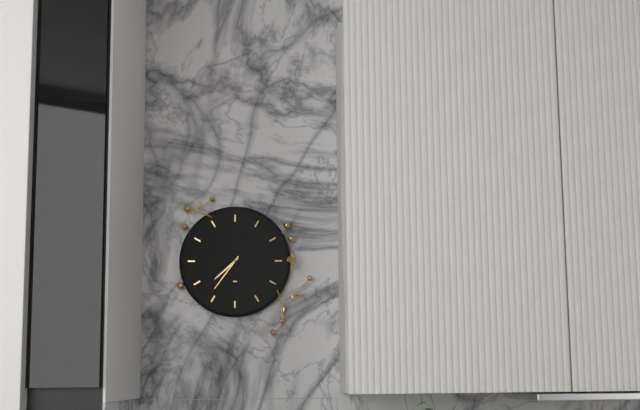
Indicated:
7:36
